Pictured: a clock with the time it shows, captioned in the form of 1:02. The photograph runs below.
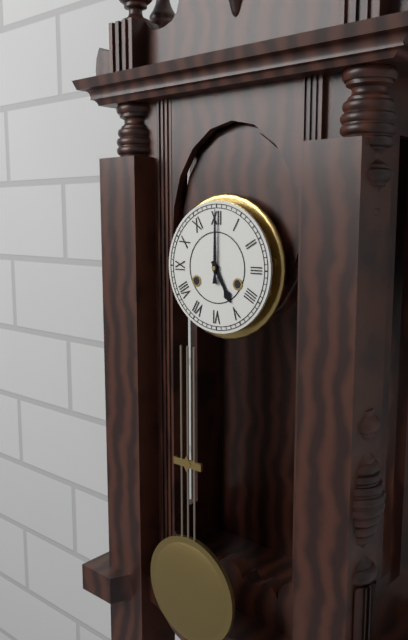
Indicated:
5:00
